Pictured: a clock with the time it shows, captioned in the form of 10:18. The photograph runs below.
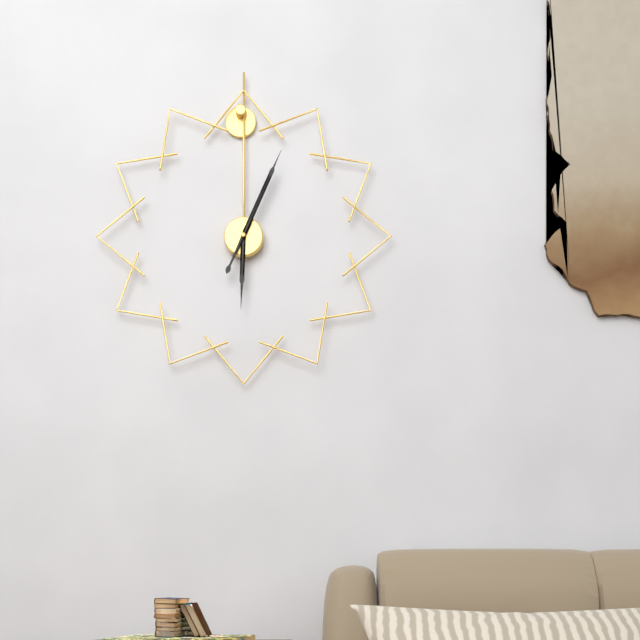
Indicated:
6:04
